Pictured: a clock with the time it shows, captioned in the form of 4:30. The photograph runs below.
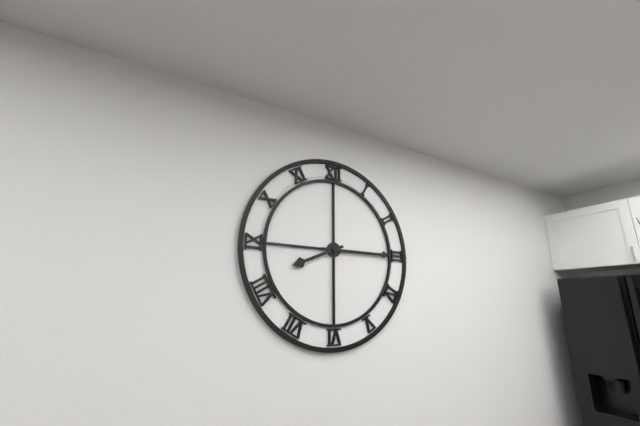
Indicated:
8:15
